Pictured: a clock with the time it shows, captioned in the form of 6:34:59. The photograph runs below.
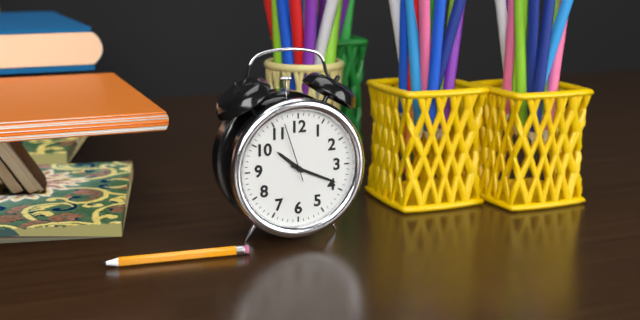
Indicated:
10:19:57
